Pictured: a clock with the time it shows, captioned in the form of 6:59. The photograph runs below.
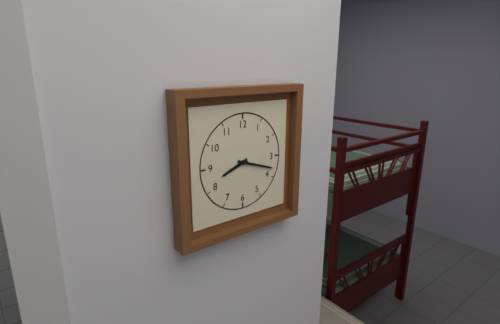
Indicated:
8:18
